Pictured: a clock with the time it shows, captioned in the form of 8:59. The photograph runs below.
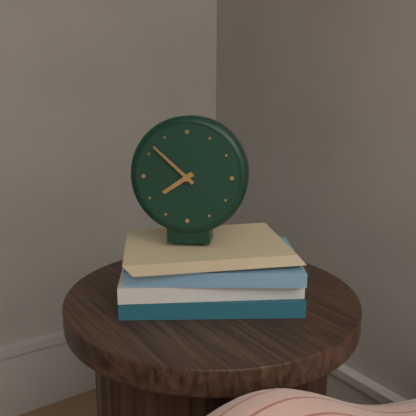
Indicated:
7:52
